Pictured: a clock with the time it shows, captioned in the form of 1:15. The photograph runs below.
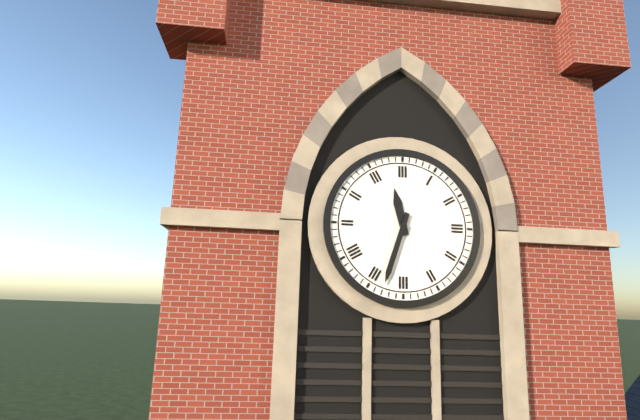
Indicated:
11:33
